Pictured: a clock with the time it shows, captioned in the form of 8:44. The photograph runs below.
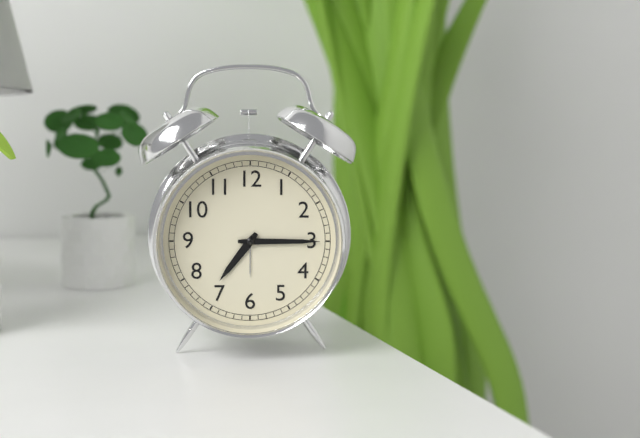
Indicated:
7:15
